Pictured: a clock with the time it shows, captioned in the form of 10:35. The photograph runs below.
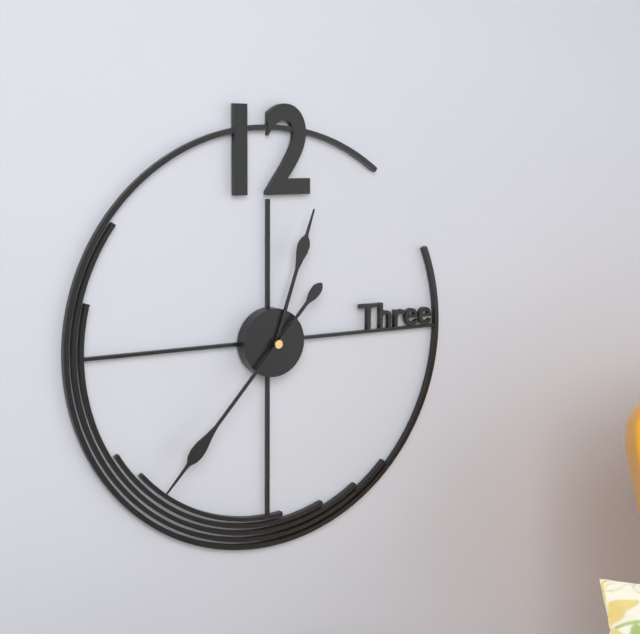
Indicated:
12:37
